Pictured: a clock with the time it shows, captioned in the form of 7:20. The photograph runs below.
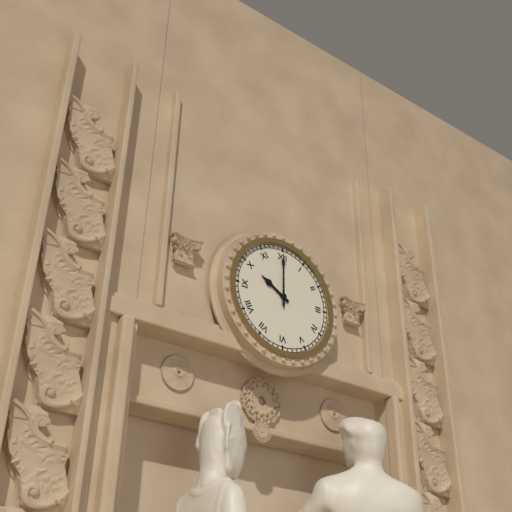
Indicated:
10:00
